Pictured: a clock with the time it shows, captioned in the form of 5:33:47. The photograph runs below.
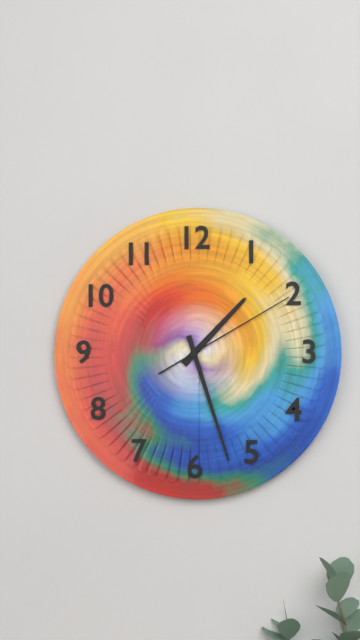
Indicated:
1:27:10
